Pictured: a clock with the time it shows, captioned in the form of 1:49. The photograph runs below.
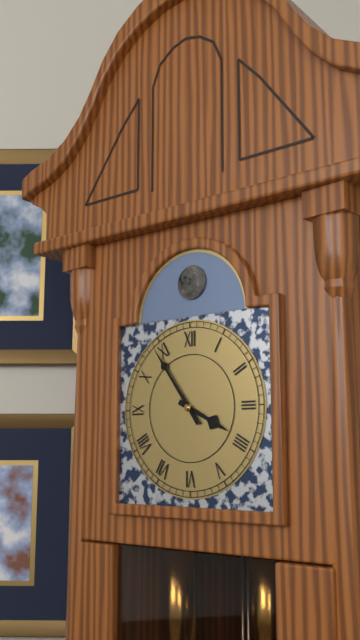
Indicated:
3:54
